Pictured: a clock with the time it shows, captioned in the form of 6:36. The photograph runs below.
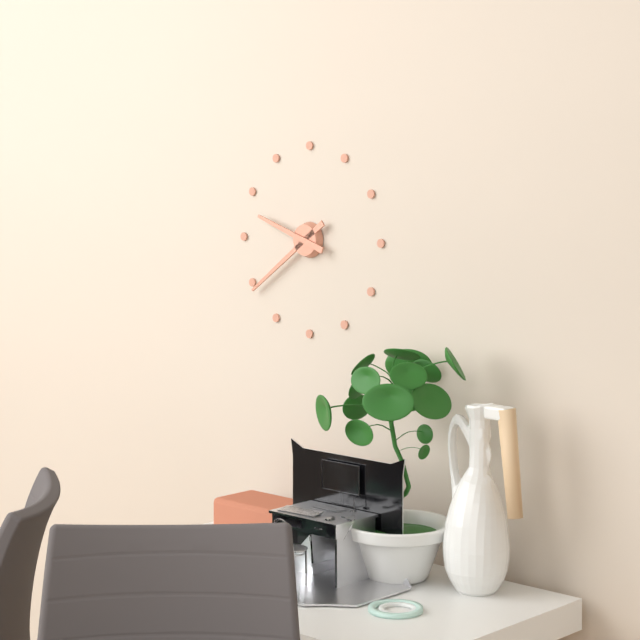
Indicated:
9:39
